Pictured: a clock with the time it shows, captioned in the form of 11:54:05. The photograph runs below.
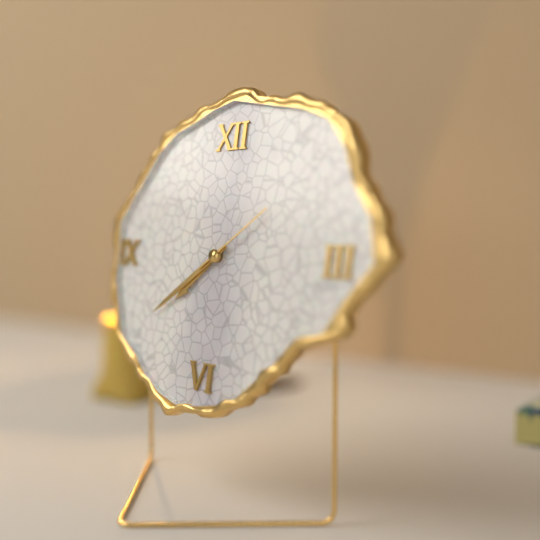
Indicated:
7:39:09
